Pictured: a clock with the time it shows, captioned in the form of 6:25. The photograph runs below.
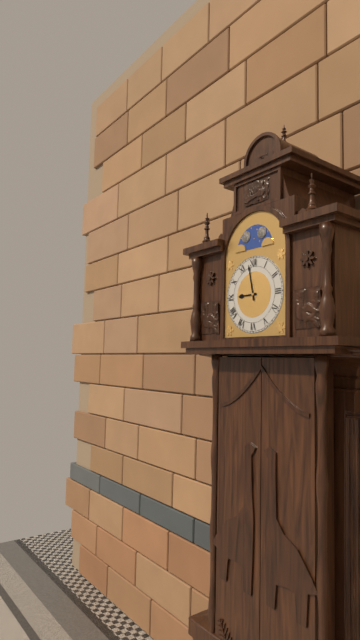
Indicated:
8:58
